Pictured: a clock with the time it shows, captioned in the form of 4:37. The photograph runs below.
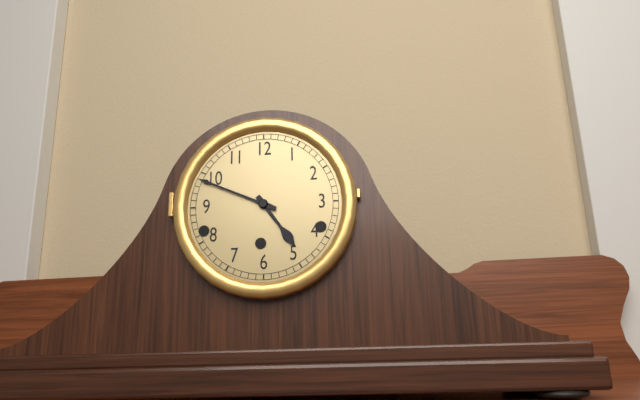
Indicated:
4:49
